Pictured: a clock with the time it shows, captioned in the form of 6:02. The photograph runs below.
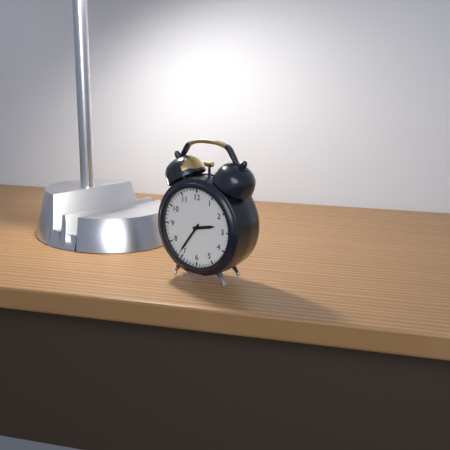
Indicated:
2:36
